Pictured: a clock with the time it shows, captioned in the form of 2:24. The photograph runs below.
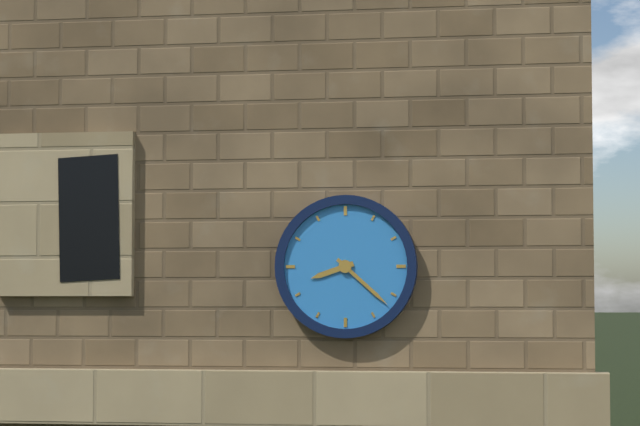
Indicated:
8:22
